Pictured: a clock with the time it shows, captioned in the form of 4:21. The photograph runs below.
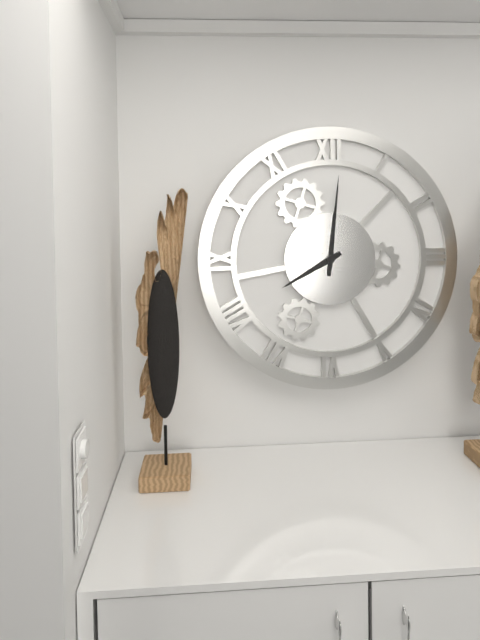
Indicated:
8:01
